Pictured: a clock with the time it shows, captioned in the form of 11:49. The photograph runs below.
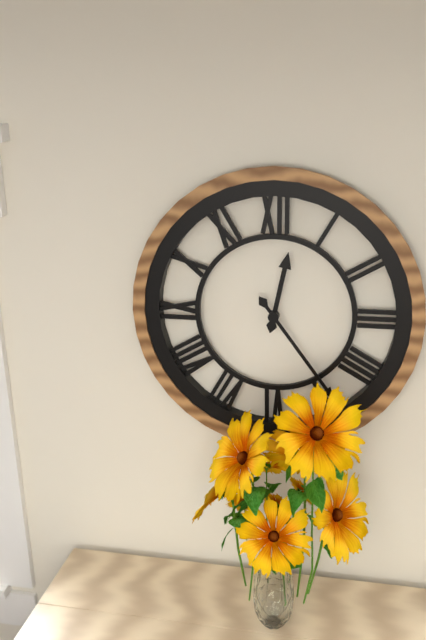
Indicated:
12:24
